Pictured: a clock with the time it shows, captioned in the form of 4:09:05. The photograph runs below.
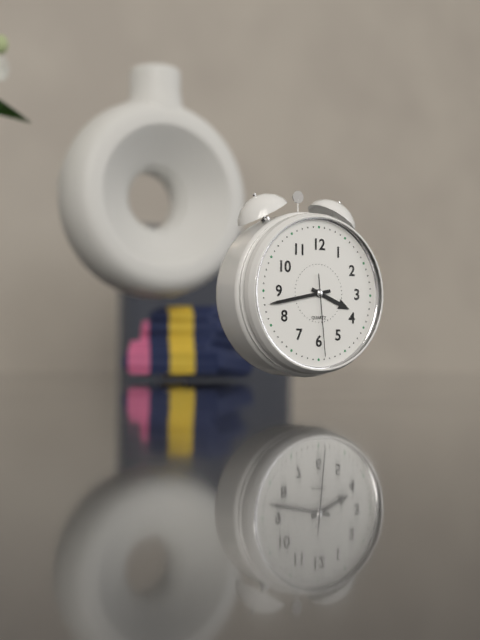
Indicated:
3:43:29
